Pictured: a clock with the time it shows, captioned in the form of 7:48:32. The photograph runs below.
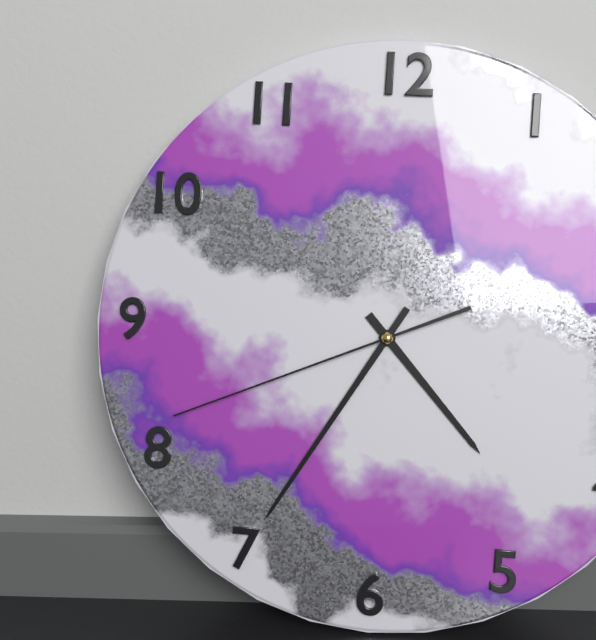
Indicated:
4:35:41
